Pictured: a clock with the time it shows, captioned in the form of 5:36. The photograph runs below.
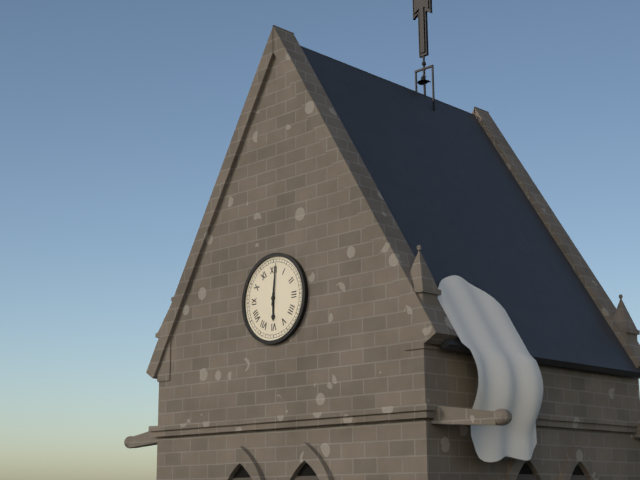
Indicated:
6:01
